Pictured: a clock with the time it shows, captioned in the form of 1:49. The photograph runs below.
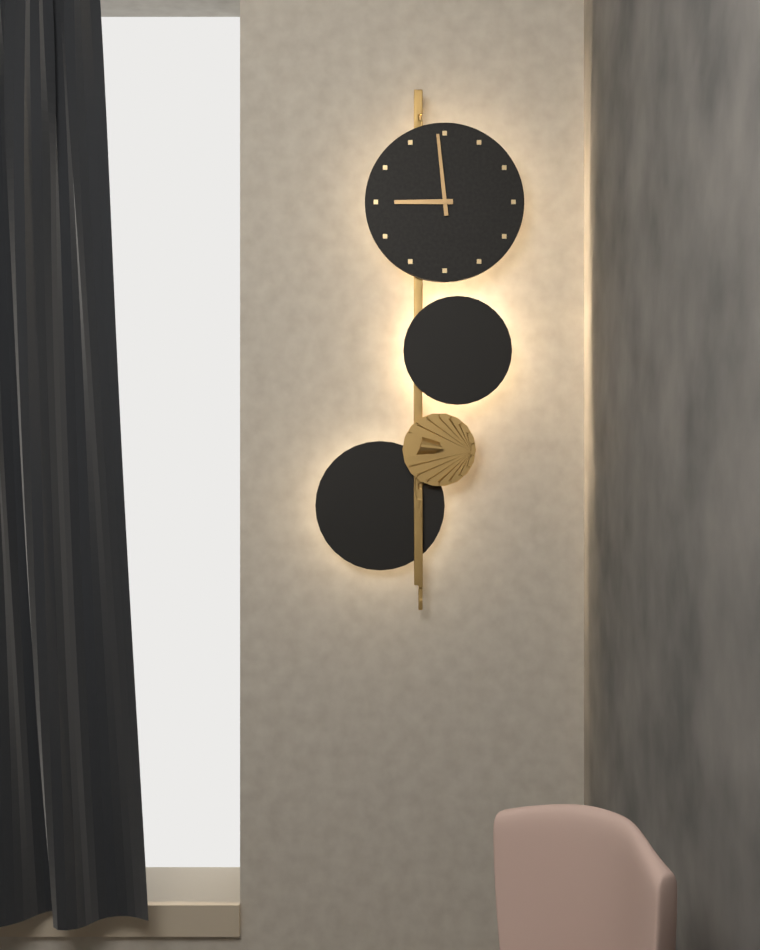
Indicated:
8:59
